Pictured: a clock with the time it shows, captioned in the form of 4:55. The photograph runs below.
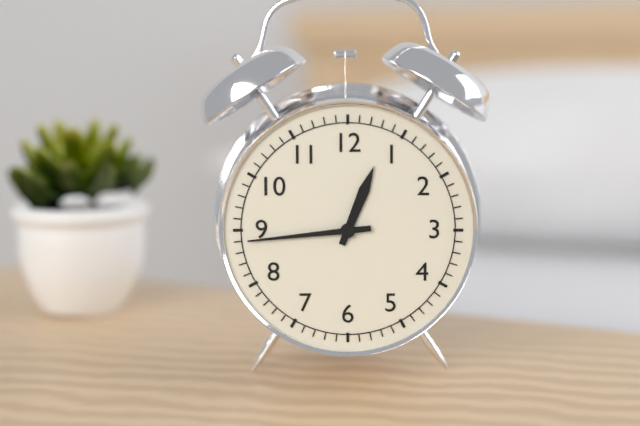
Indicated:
12:44
